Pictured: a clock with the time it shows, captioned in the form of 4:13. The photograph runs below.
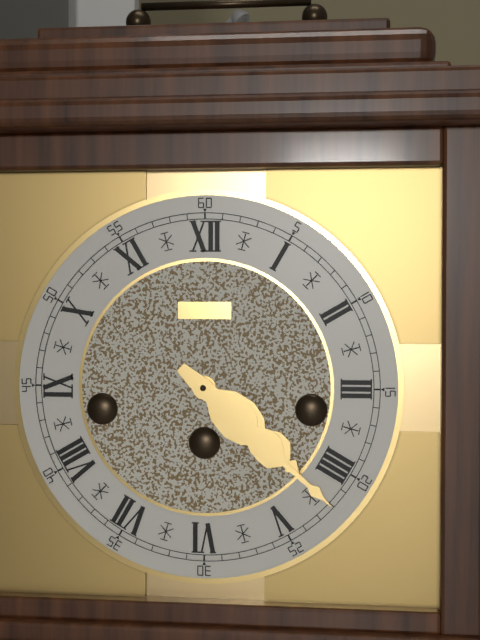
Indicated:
4:22
